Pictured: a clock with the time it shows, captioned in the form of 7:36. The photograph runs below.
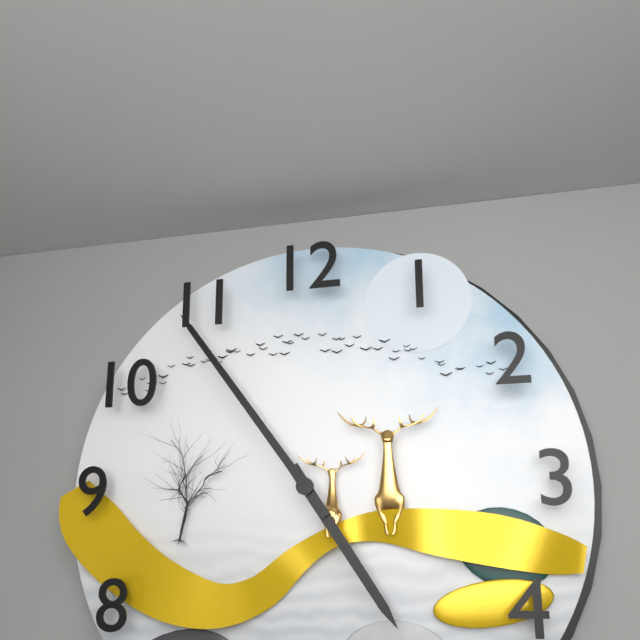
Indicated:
4:54
